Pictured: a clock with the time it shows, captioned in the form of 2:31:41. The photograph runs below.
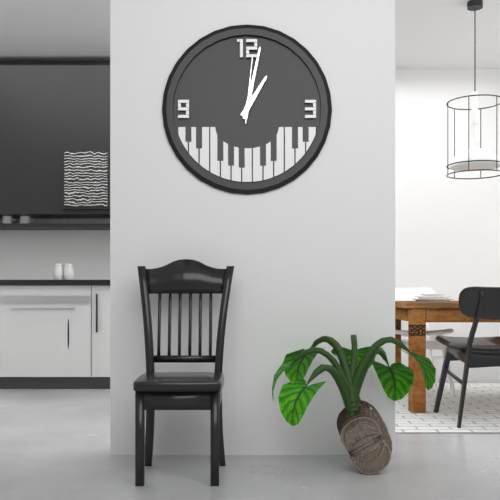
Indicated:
1:02:01
